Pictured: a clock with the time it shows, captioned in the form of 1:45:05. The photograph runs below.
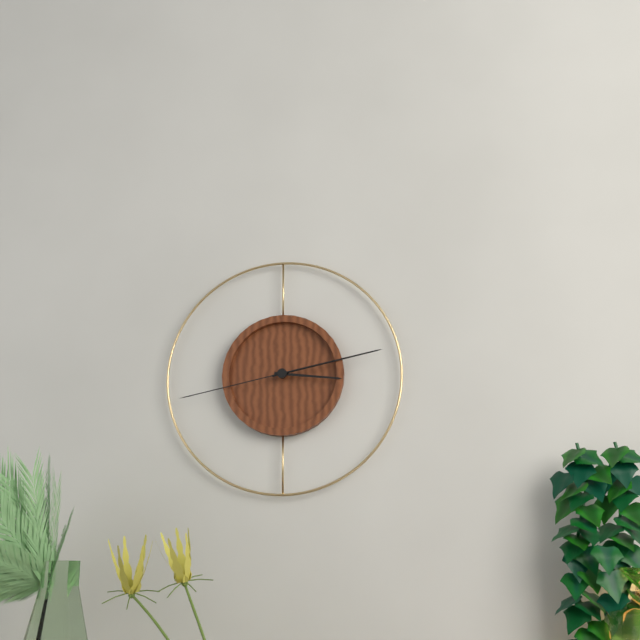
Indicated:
3:13:43
